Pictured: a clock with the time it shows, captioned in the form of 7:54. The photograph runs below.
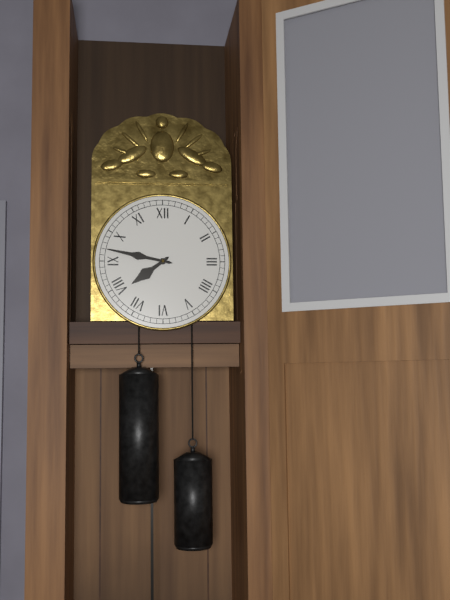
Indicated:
7:47
